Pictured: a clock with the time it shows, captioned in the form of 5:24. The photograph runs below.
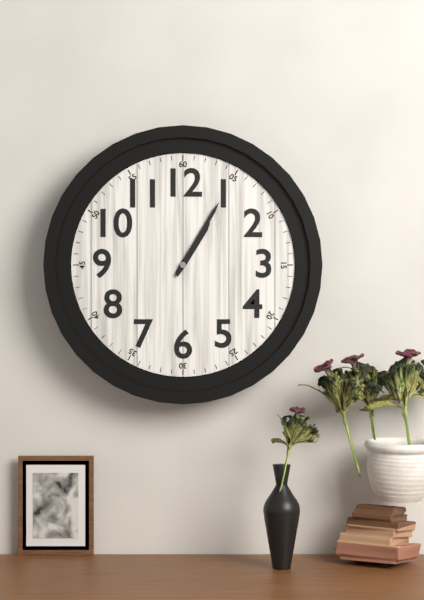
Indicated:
1:05
